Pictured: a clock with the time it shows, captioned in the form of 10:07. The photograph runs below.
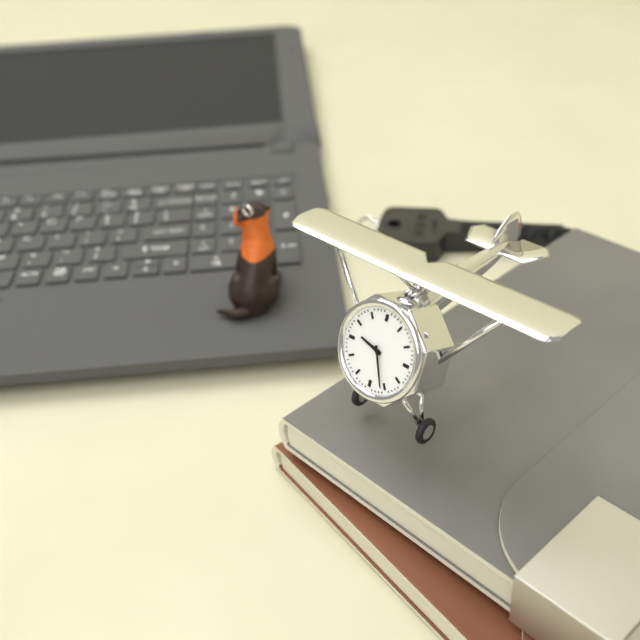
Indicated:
9:26
